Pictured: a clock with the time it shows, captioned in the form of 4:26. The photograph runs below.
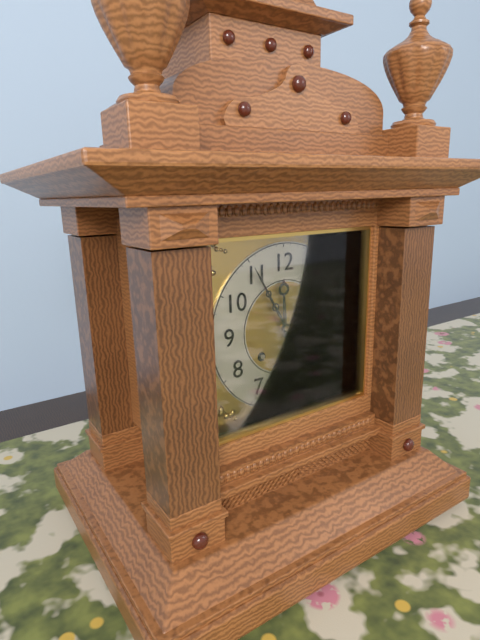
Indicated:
11:55
